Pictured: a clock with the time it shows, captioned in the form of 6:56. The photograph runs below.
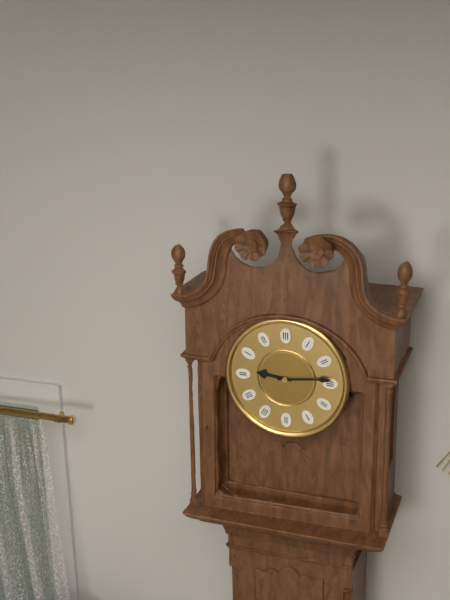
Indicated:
9:14
